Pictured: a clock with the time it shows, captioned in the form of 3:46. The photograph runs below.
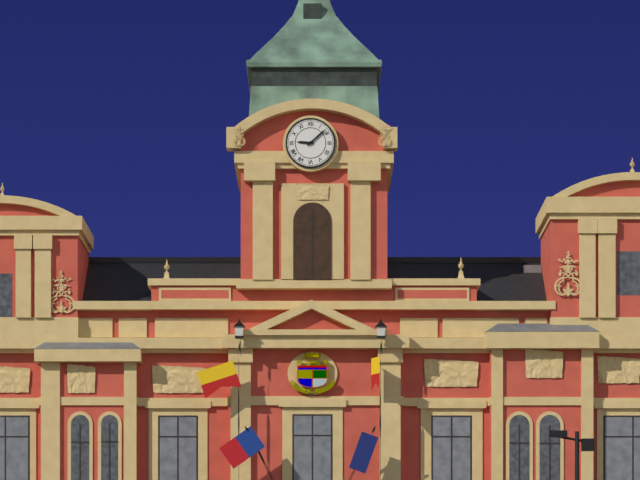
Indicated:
9:08
